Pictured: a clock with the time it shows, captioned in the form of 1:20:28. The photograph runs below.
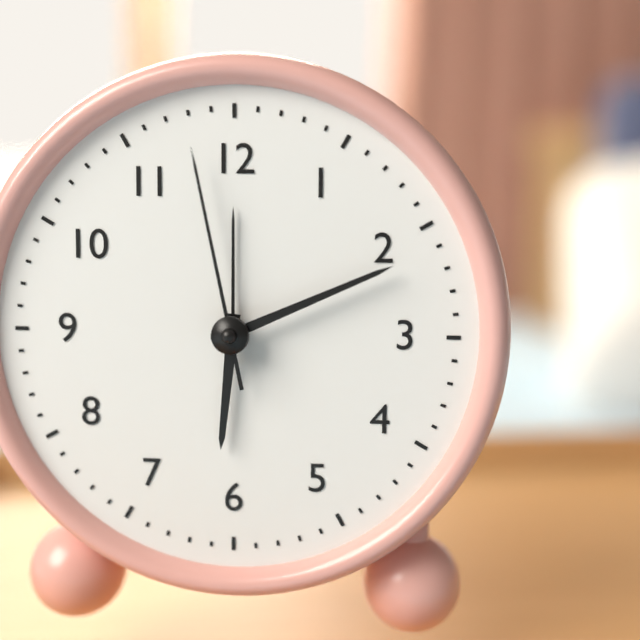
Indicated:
6:11:58
